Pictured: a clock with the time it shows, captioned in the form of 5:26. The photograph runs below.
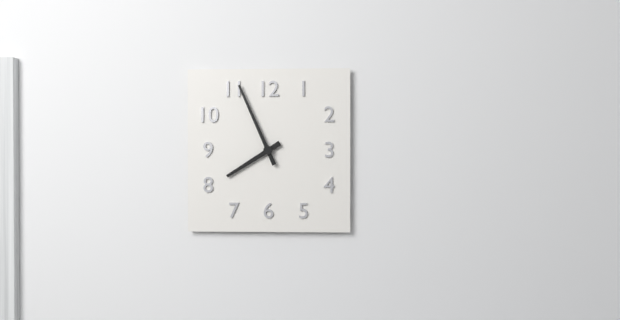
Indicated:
7:56
